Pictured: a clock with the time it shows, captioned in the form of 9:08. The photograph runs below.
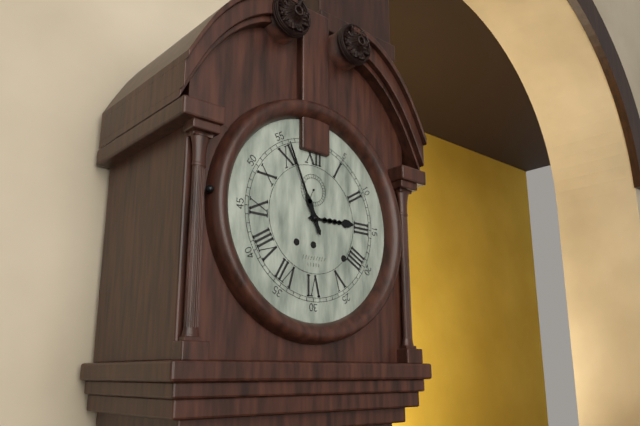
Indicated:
2:56
